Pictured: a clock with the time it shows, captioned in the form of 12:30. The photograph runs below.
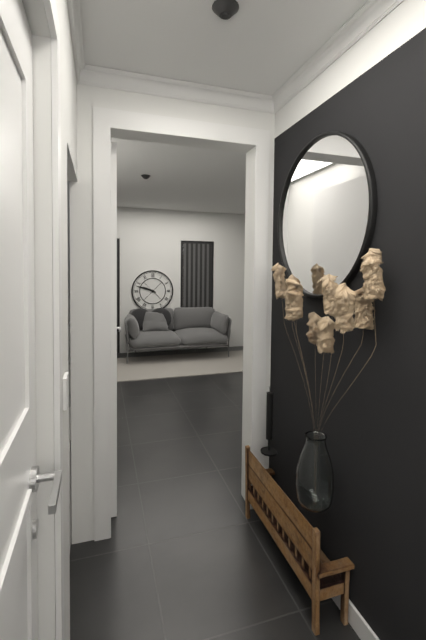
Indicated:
9:48
